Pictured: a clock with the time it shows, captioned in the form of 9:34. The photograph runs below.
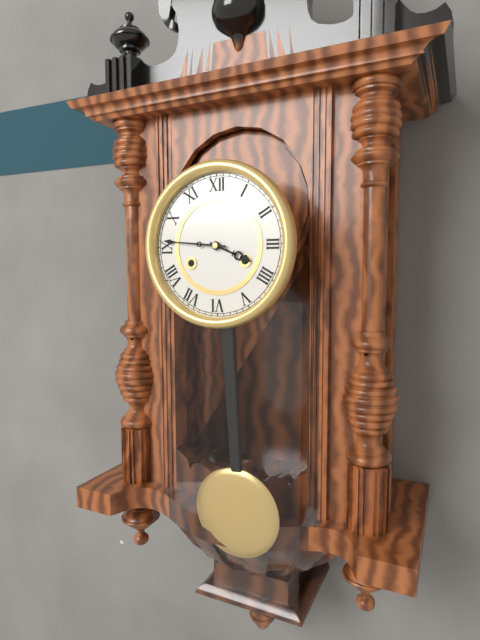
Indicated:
3:46
